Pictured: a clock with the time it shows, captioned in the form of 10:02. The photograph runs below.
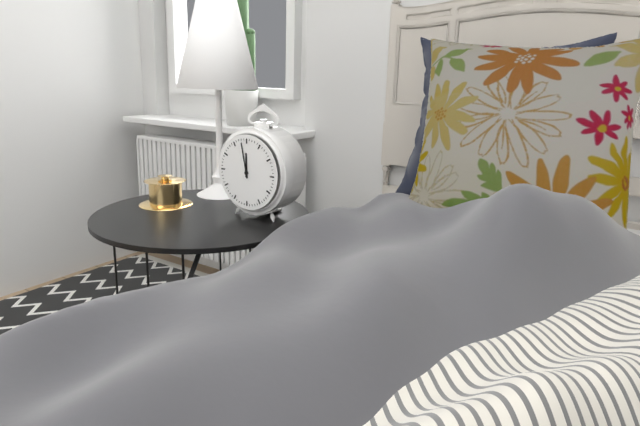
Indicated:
11:58
